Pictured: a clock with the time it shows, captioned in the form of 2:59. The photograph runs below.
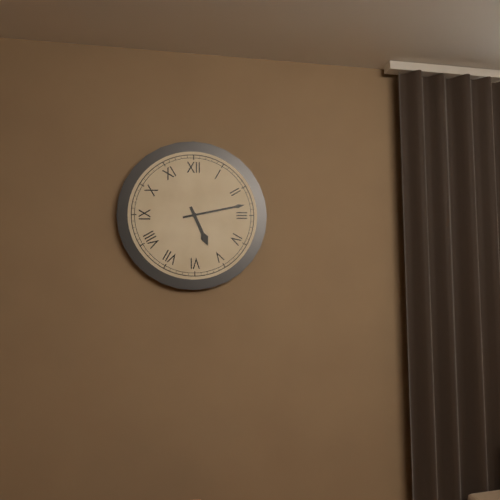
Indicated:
5:13
